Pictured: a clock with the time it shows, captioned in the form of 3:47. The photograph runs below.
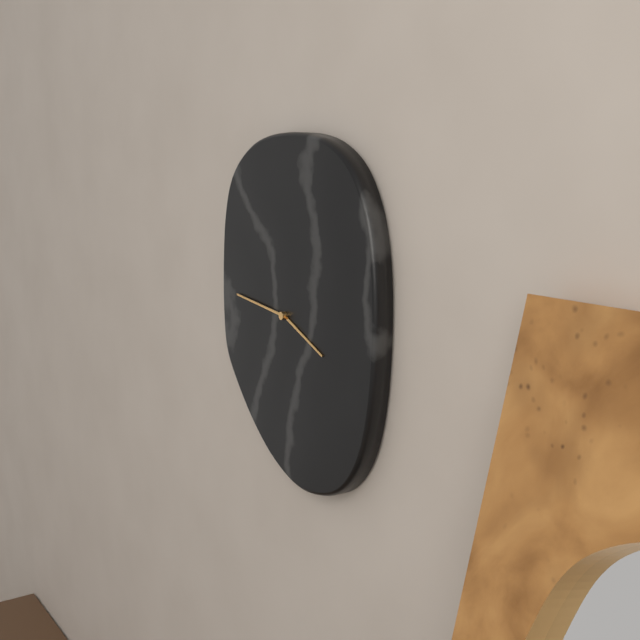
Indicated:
3:46
